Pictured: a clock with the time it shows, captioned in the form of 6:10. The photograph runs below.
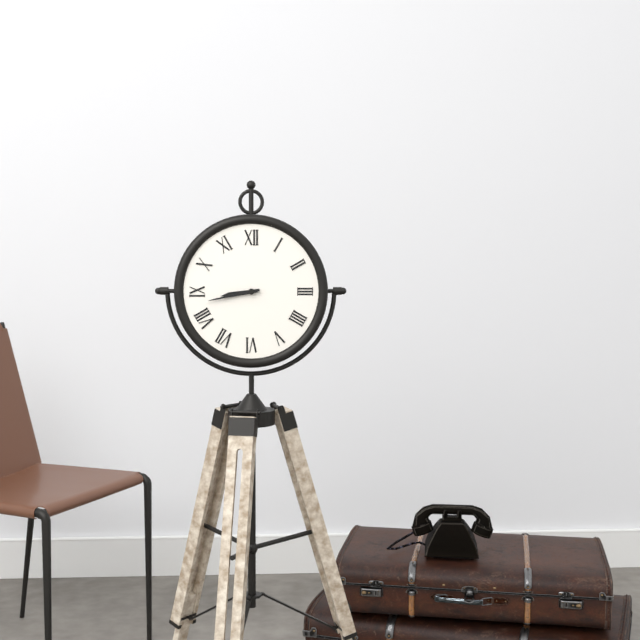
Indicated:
8:43
